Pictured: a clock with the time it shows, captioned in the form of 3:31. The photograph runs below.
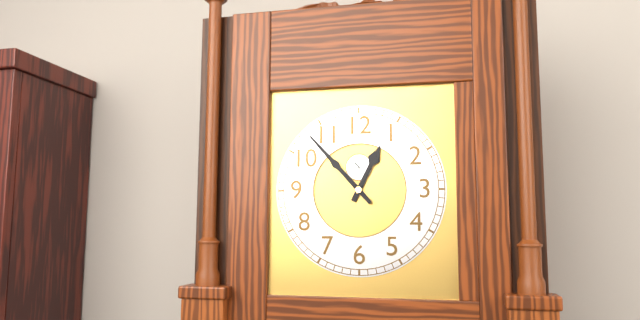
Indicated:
12:53
